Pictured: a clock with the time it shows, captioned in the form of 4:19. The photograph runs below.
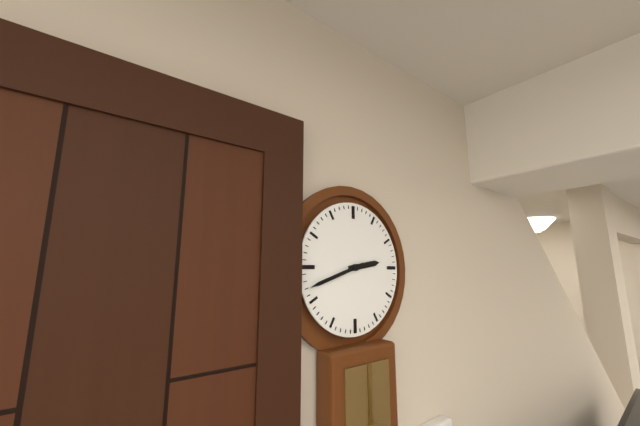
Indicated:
2:42
